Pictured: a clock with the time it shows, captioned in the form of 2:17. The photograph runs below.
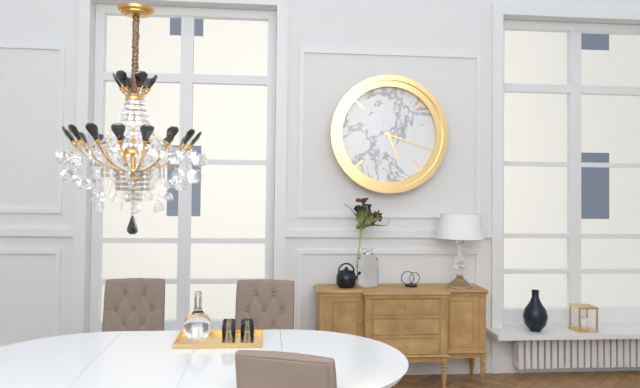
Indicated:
5:18
